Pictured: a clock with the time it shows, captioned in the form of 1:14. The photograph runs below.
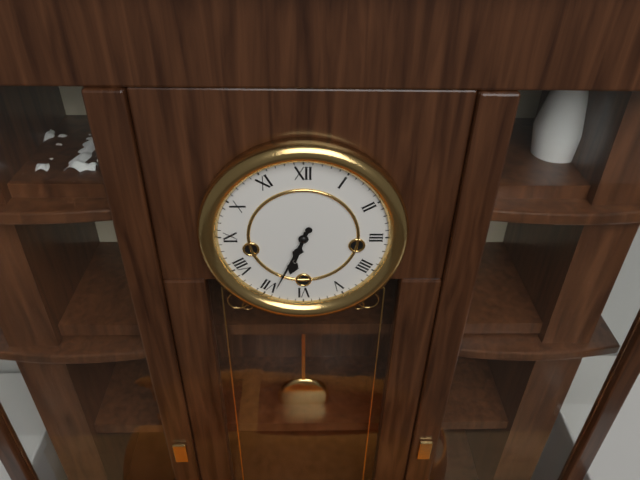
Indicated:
6:34
